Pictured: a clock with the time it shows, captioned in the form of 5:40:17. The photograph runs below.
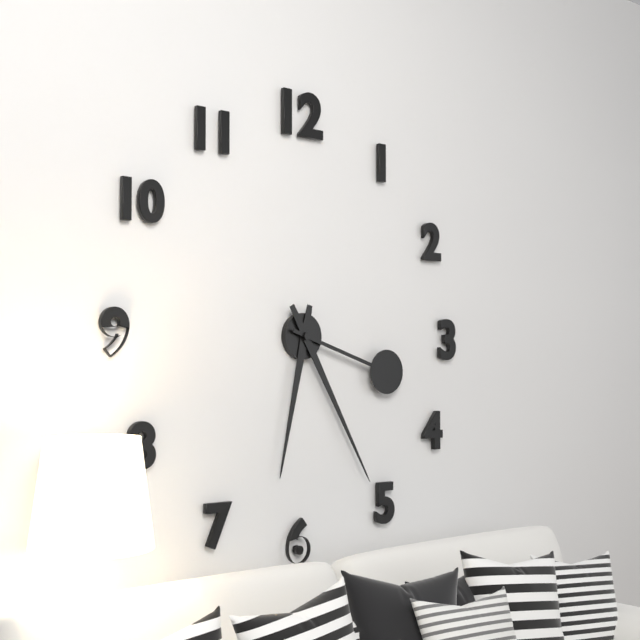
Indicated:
6:25:18
